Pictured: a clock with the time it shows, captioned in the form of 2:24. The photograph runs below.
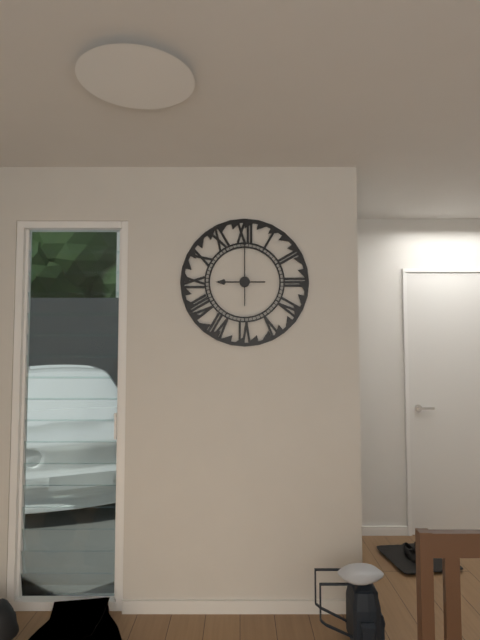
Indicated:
9:00
